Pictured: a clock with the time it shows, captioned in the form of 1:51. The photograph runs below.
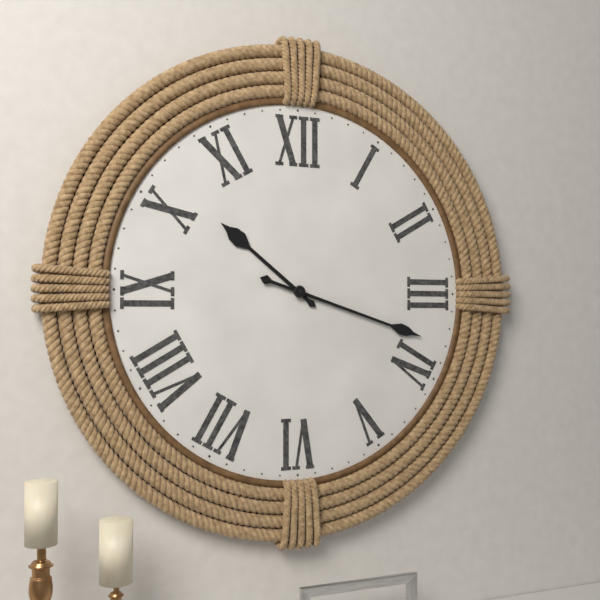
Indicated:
10:18
